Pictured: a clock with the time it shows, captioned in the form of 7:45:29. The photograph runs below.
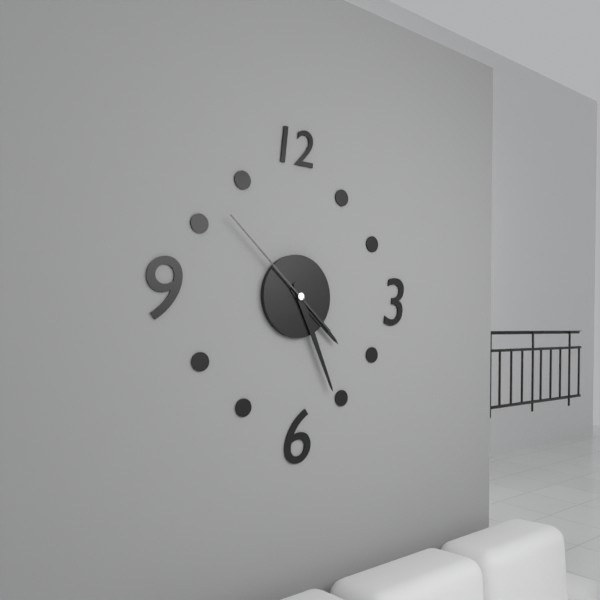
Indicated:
4:26:52
